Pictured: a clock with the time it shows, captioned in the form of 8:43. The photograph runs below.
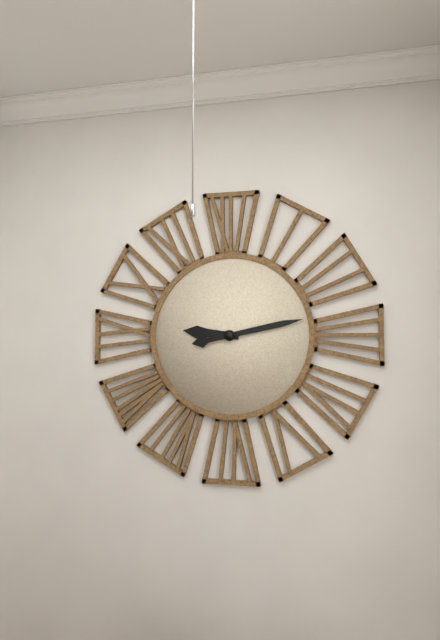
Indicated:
9:13
